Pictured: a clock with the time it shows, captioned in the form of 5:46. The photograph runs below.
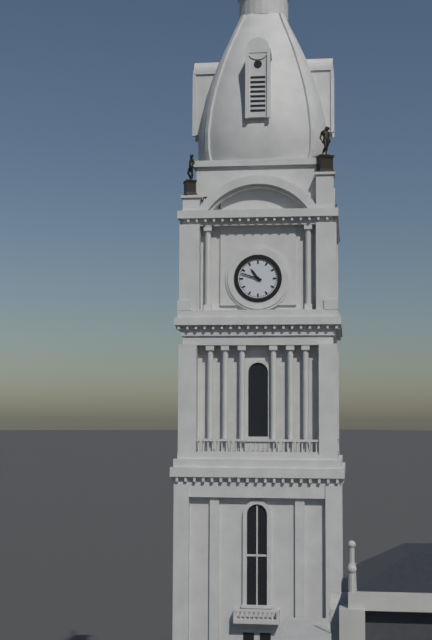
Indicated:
10:48
